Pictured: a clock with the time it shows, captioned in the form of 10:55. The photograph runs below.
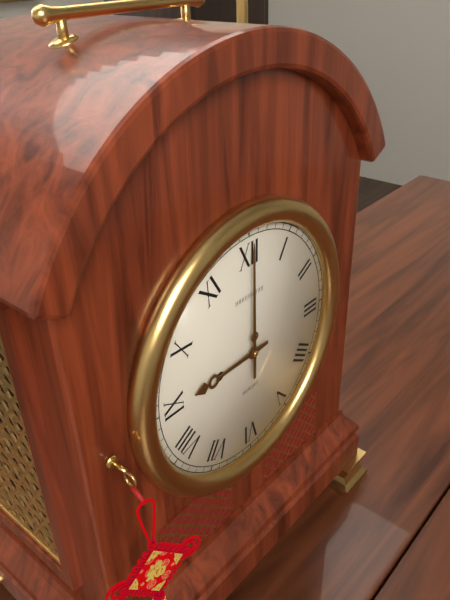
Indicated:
9:00
